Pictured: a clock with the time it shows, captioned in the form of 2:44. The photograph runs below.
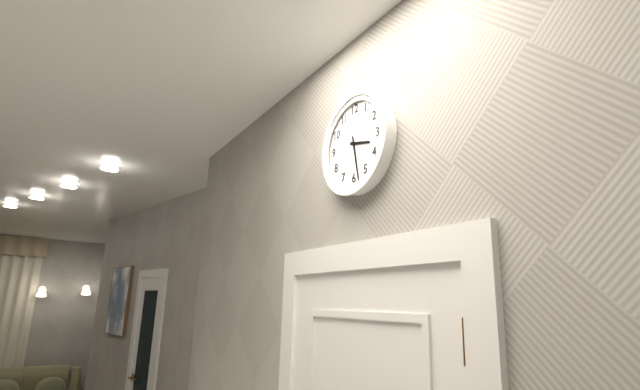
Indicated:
3:28
